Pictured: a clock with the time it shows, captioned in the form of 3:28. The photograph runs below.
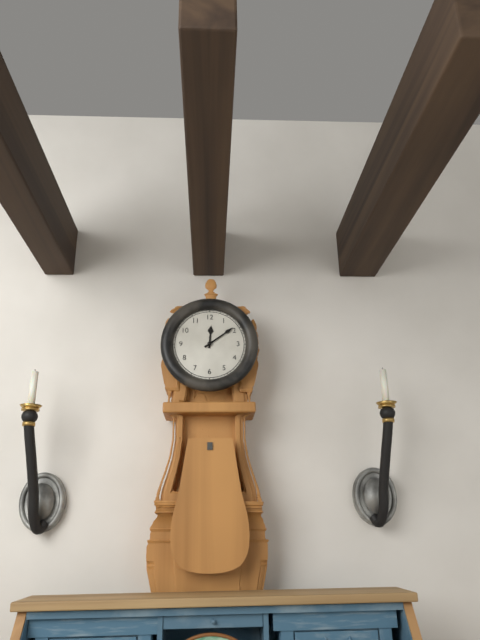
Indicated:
12:09
